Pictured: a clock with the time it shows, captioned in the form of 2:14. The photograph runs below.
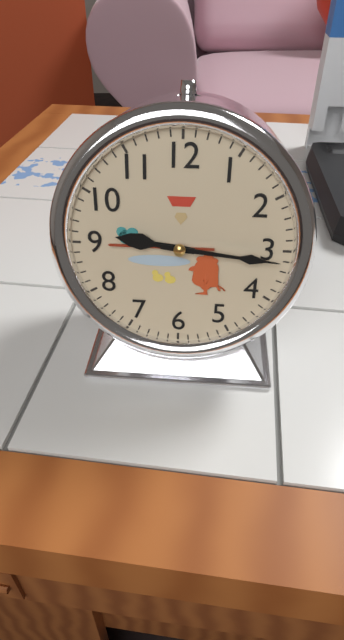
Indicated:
9:16
